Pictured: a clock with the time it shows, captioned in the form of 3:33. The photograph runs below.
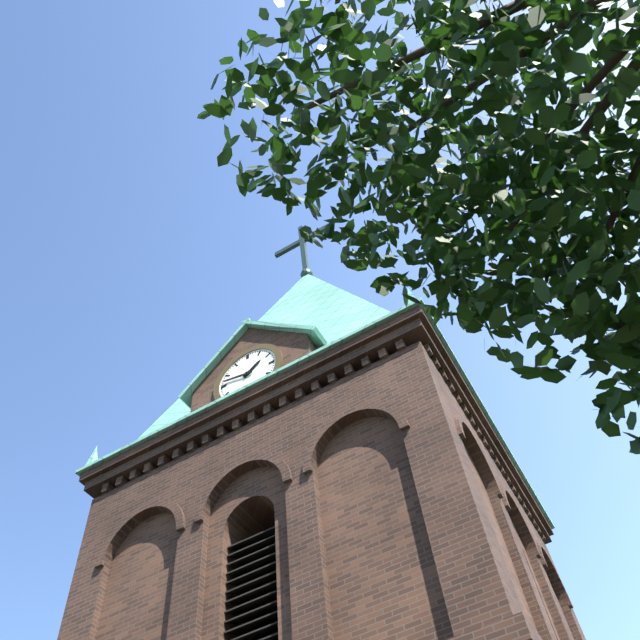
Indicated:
1:47
